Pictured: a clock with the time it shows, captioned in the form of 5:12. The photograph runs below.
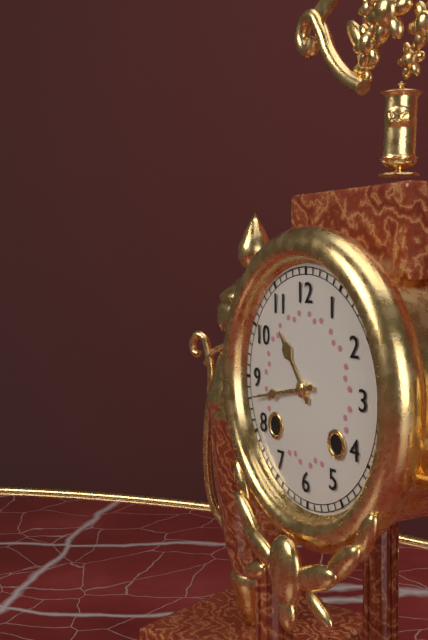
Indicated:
10:43
